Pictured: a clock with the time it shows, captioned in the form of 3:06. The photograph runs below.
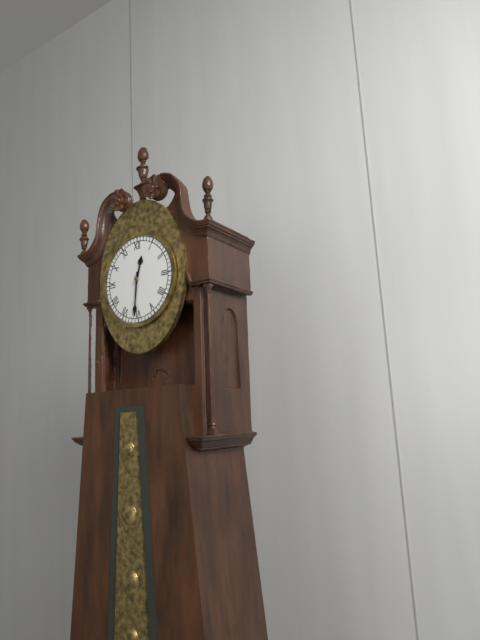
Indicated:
12:31
